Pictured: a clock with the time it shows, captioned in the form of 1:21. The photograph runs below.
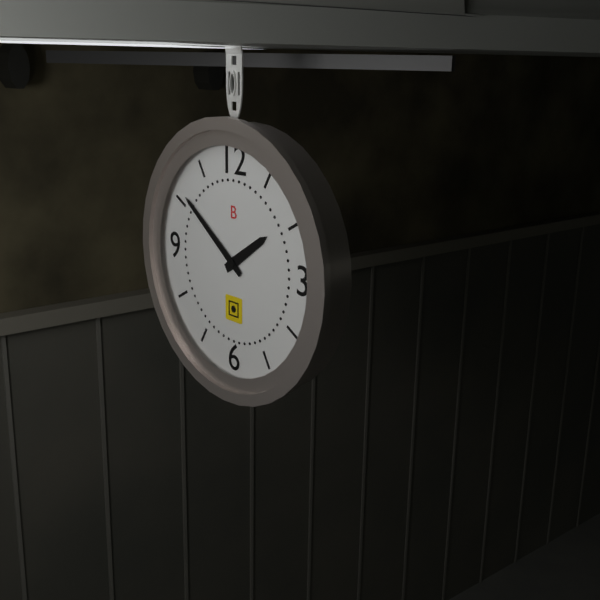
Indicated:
1:51
